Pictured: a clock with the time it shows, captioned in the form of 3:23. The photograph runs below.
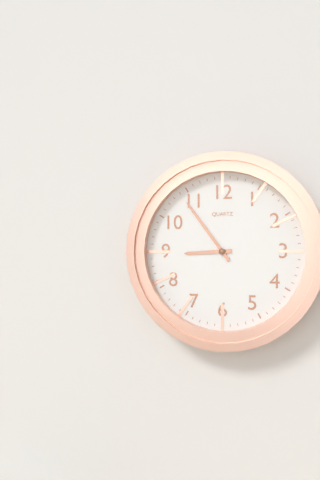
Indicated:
8:54
